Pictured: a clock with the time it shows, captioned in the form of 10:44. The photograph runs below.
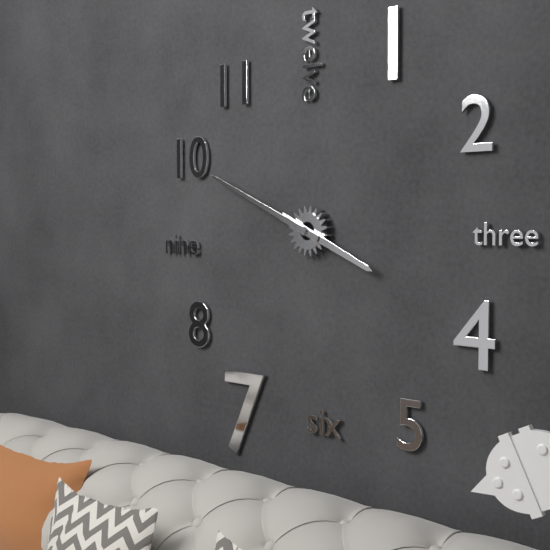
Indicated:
3:49
